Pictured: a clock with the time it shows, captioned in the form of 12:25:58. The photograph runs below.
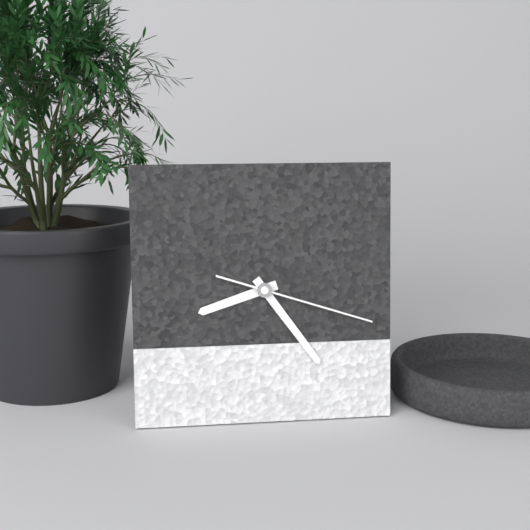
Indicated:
8:24:18
